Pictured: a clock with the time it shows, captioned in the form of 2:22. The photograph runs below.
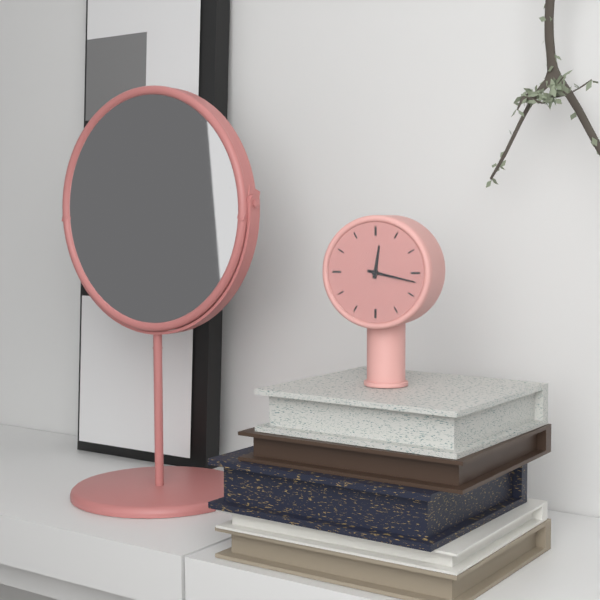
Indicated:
12:17
